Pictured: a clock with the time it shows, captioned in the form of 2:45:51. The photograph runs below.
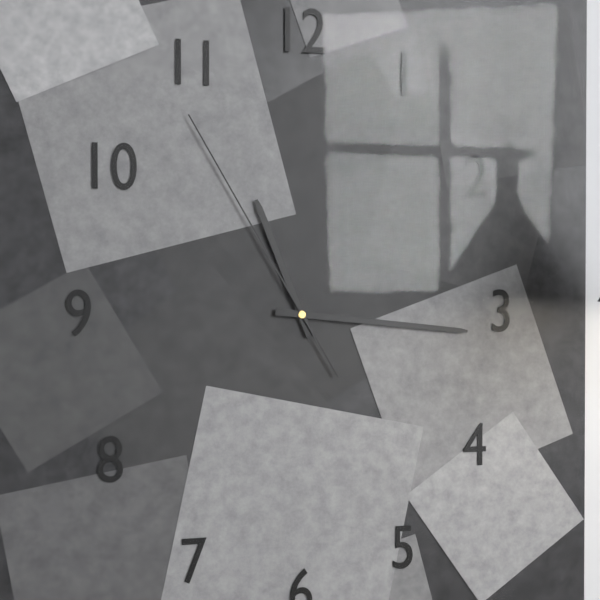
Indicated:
11:16:55
